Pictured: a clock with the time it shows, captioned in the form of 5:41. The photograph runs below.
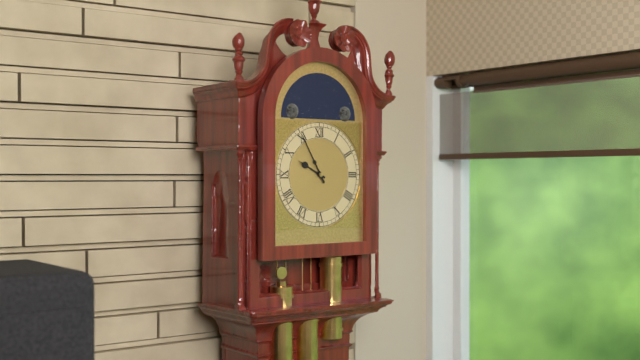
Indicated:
9:55
